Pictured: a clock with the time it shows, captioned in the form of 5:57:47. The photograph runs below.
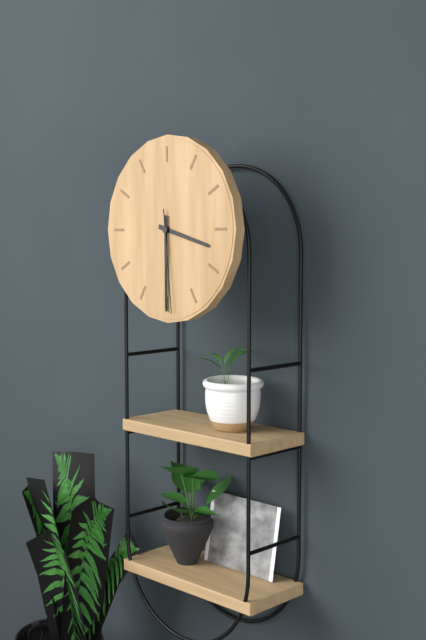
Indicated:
3:30:29
